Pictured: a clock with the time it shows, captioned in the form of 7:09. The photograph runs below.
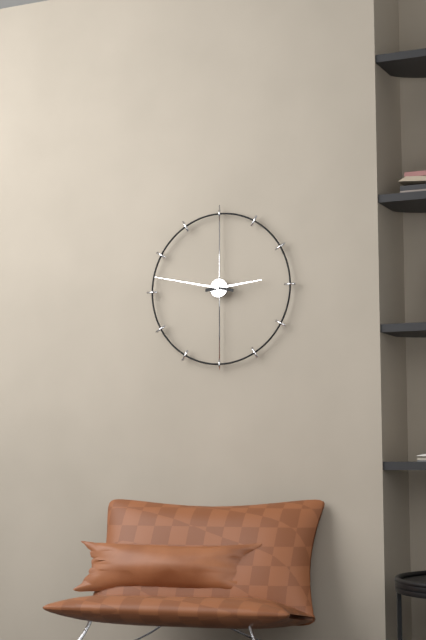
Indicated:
2:47
